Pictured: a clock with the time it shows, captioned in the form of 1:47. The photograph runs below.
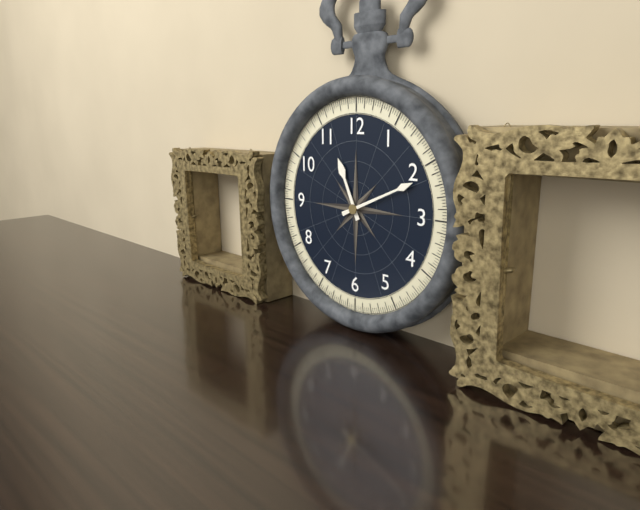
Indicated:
11:11
